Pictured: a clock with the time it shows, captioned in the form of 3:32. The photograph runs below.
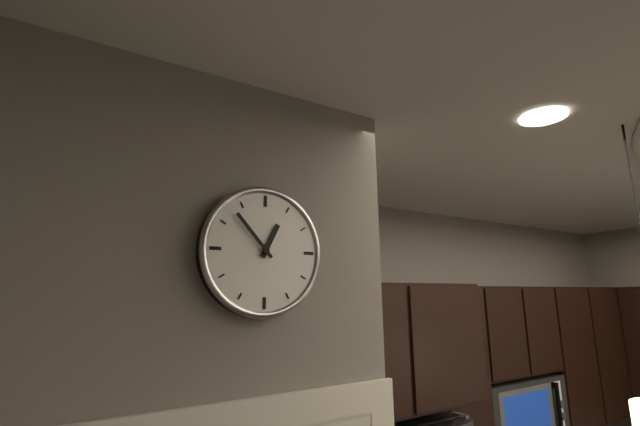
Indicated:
12:53
